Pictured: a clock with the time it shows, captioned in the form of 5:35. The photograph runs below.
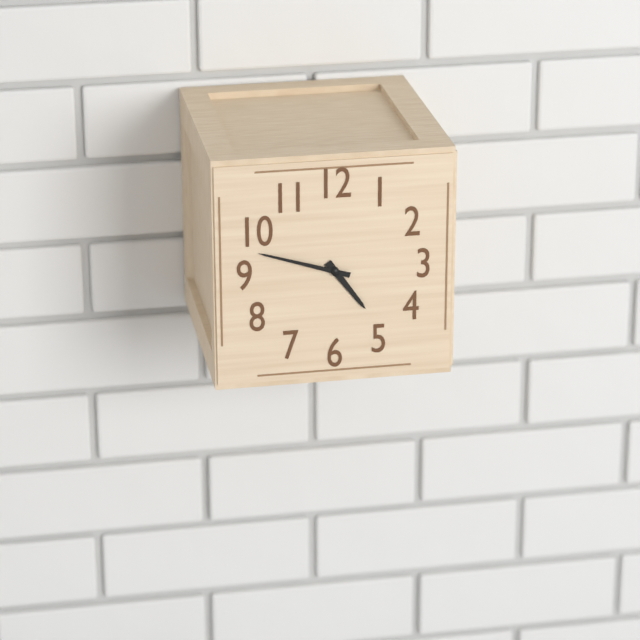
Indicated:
4:48
